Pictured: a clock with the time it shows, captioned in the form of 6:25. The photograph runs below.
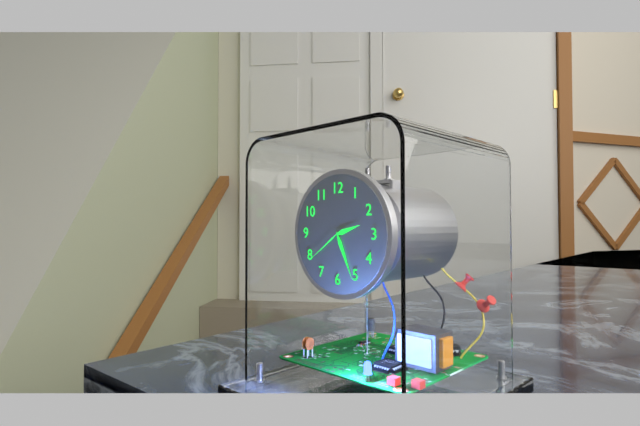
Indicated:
2:26
